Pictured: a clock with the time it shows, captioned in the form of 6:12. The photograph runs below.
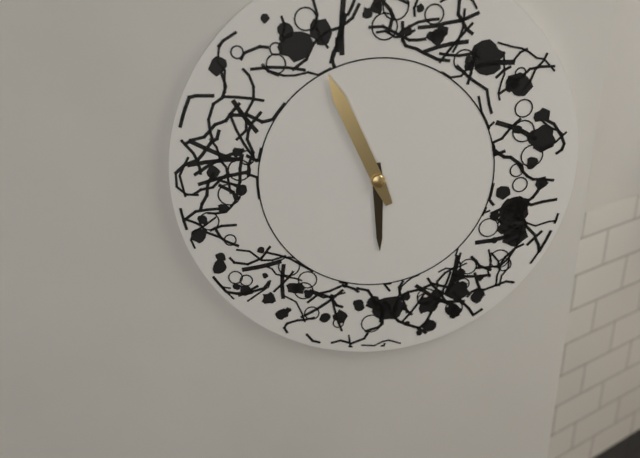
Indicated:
5:56
